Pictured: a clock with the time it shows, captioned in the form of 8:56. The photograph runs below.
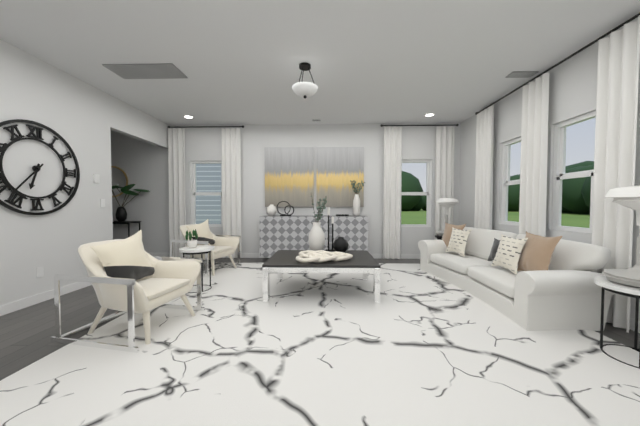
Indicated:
6:37
